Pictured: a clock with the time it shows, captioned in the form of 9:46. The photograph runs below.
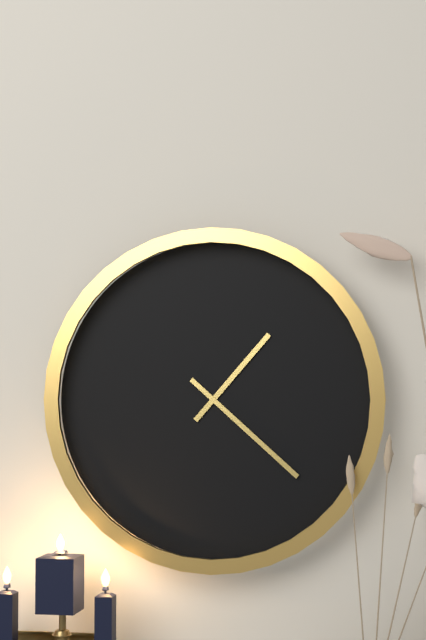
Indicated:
1:22
